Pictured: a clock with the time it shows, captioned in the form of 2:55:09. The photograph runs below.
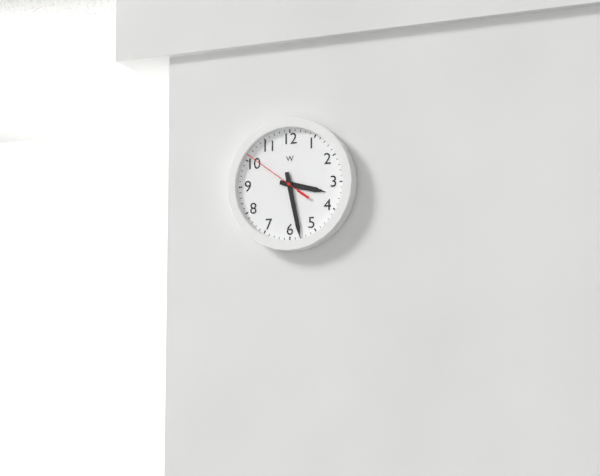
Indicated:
3:28:51
